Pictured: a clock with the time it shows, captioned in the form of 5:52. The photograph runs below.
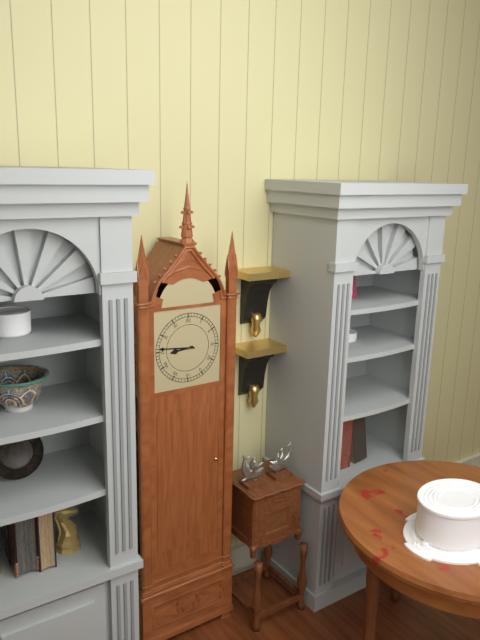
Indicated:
8:46
